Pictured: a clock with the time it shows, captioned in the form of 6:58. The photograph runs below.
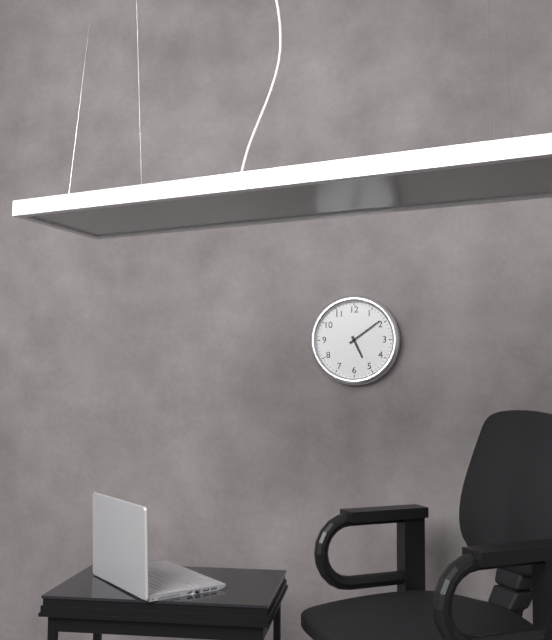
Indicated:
5:09
